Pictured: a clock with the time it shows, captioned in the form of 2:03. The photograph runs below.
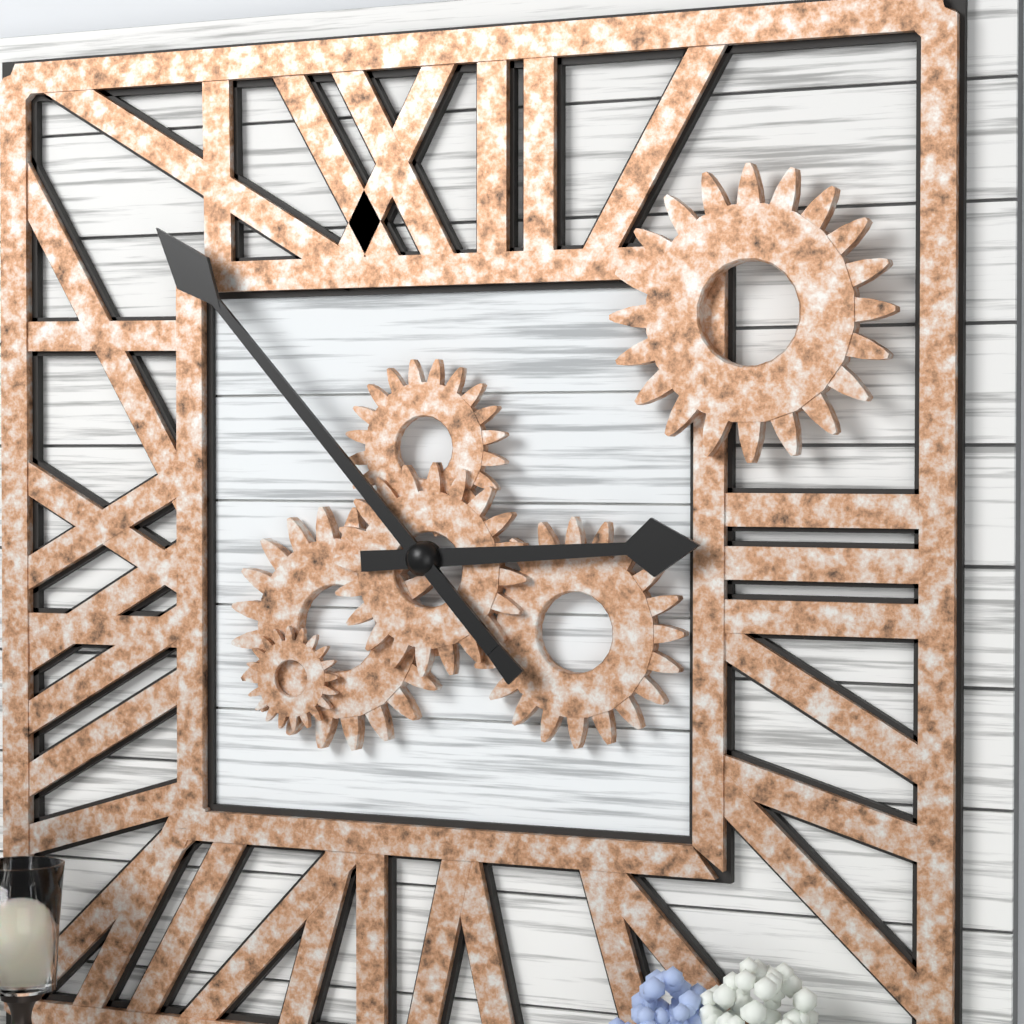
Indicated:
2:53
